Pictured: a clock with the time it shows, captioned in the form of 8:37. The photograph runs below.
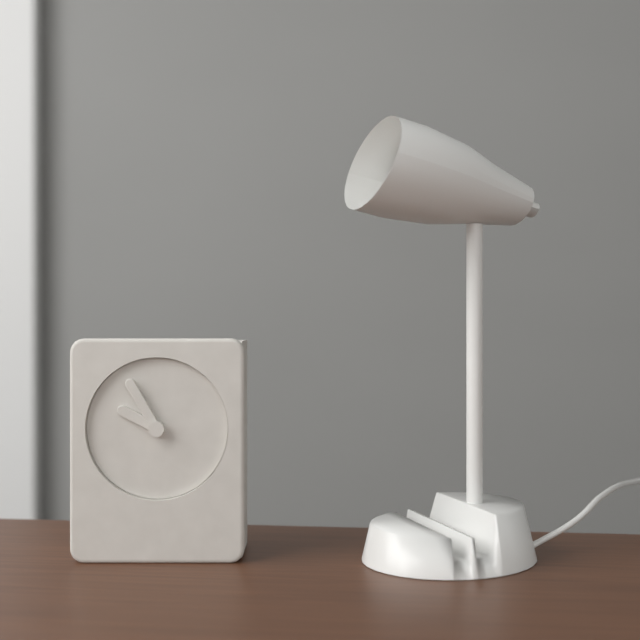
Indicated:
9:55
